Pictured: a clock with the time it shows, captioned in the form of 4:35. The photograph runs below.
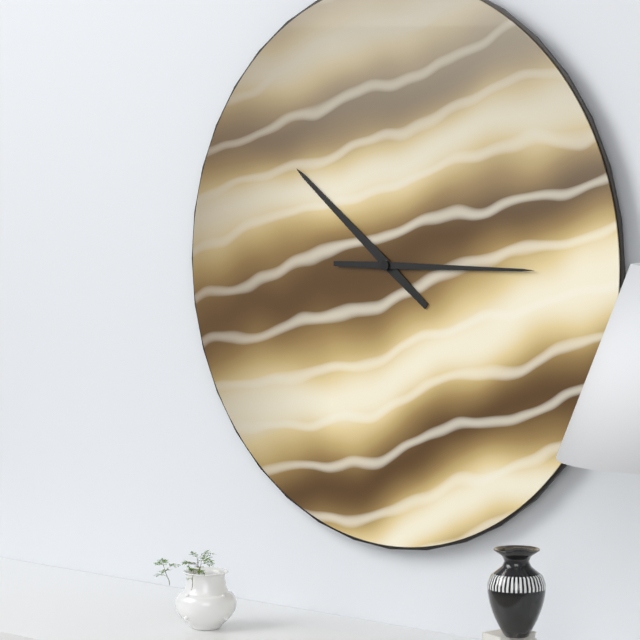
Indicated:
10:15
